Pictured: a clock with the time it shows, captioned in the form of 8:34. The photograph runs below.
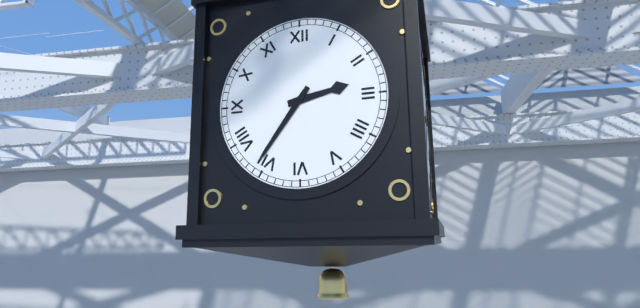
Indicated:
2:36
